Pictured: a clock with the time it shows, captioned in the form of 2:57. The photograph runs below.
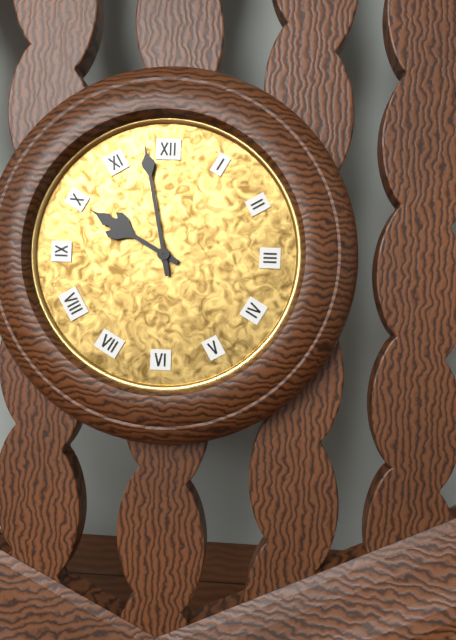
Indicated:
9:58
